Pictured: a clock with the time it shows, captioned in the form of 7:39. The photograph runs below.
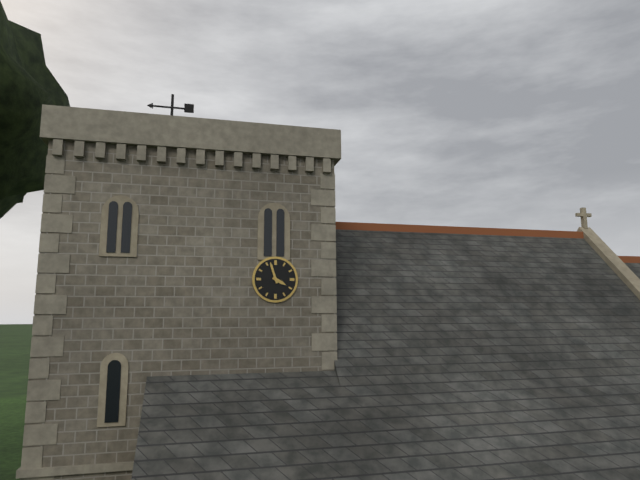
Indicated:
3:57
